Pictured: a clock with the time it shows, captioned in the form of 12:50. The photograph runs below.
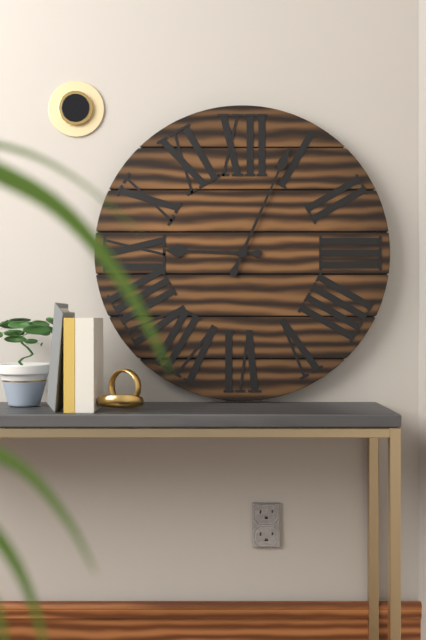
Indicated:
9:04
